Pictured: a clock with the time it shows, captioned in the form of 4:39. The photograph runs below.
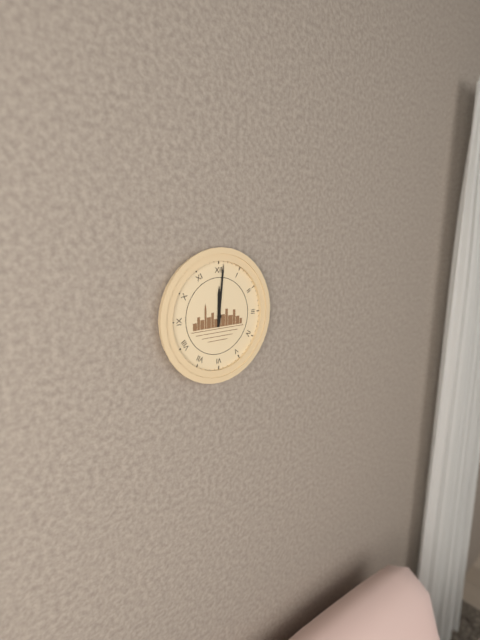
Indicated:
12:01
